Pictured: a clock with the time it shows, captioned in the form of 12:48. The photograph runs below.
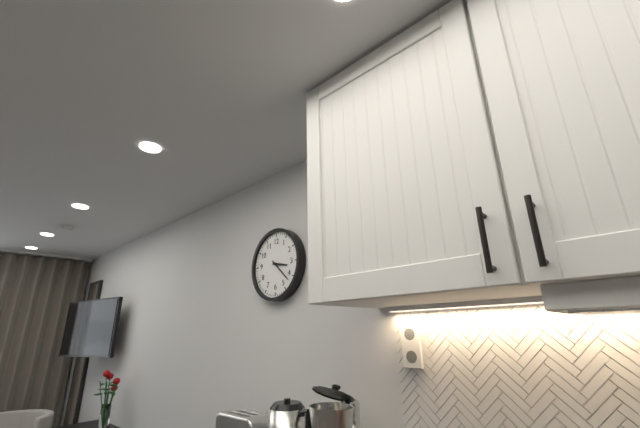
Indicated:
3:22
